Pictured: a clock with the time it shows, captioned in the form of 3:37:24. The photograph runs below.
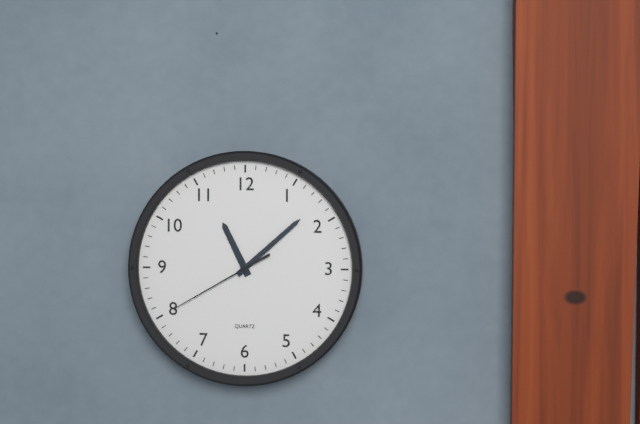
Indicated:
11:08:40
